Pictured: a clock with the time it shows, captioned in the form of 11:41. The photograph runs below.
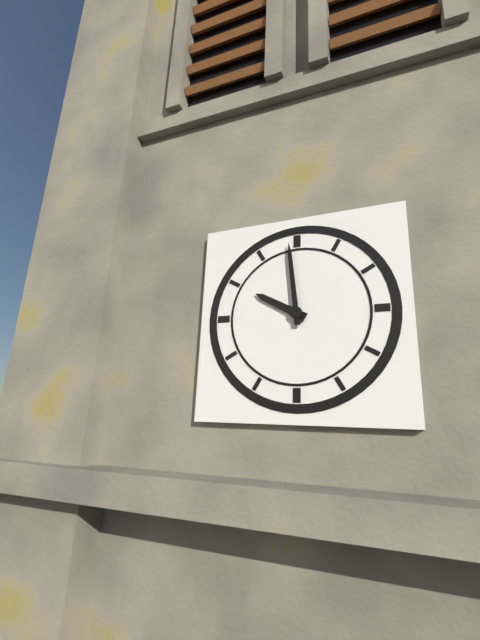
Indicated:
9:59
